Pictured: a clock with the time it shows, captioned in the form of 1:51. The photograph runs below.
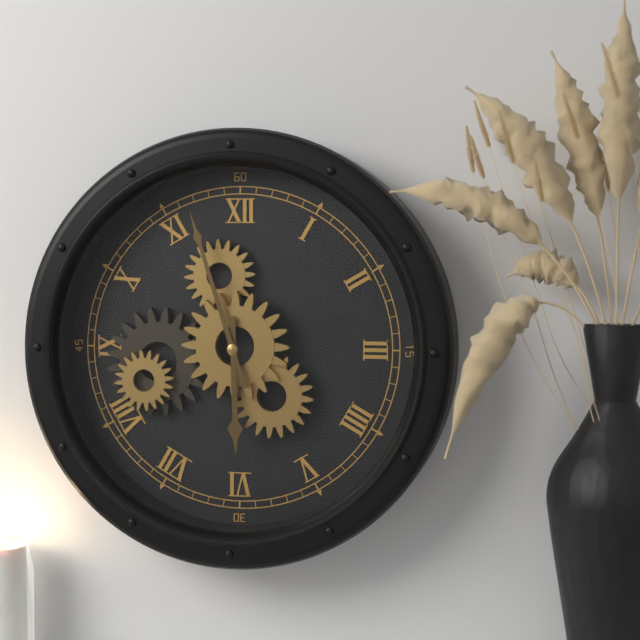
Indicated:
5:57
